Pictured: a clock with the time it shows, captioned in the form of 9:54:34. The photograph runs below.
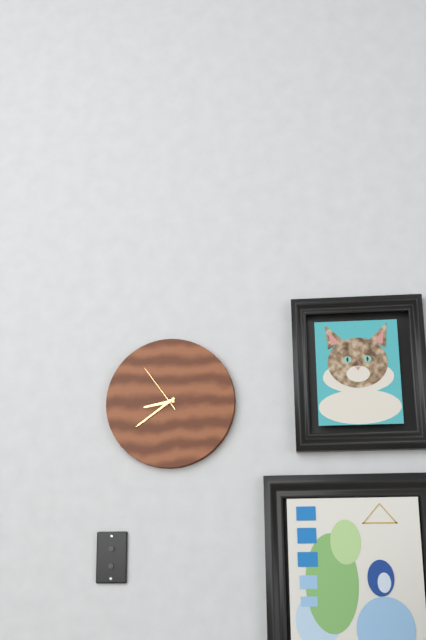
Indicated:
8:39:54
